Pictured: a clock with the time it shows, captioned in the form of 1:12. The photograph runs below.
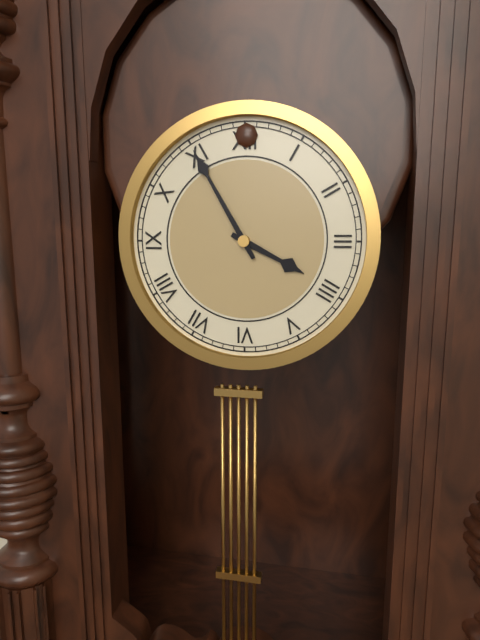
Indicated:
3:55
